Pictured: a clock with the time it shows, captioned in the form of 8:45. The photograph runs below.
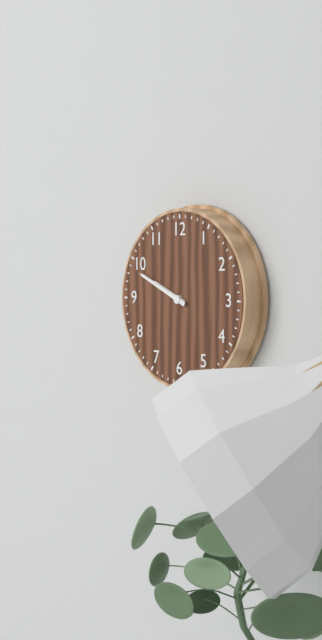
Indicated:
9:49
